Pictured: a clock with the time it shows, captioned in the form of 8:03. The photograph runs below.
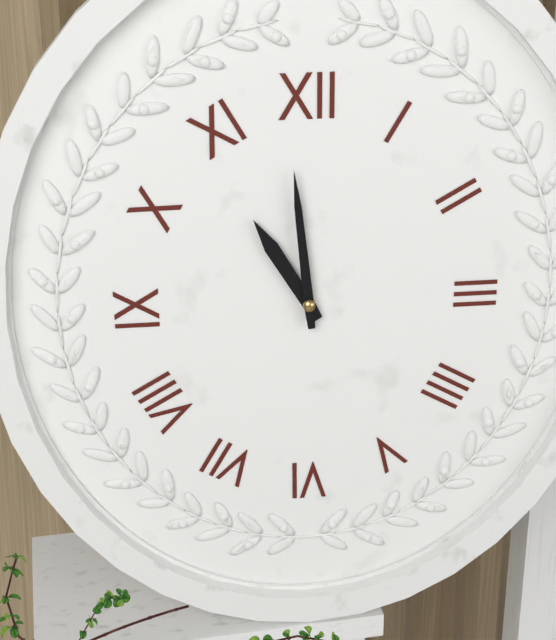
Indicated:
10:59
